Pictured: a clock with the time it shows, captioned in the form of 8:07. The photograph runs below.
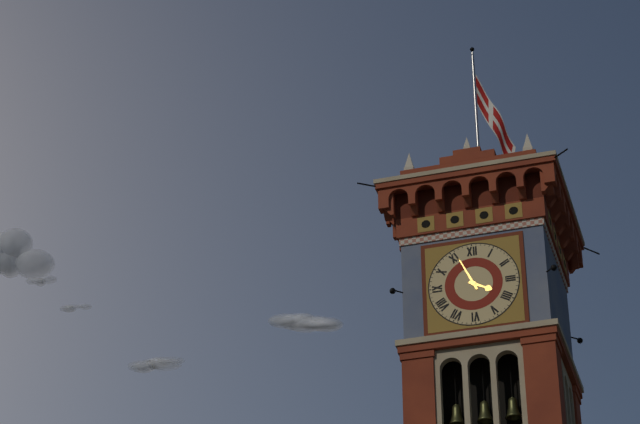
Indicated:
3:56
